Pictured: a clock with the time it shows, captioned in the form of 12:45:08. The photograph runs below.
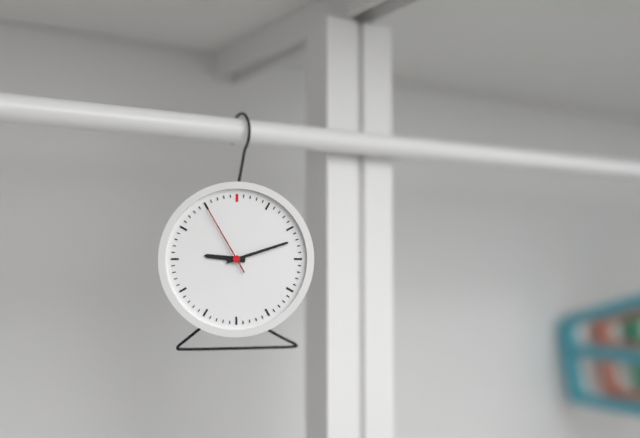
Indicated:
9:12:55
